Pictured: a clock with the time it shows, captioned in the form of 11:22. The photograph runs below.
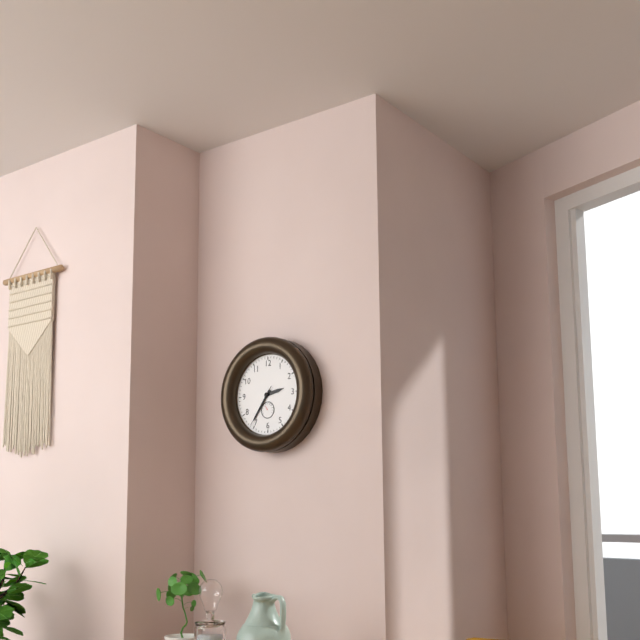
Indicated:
2:36
